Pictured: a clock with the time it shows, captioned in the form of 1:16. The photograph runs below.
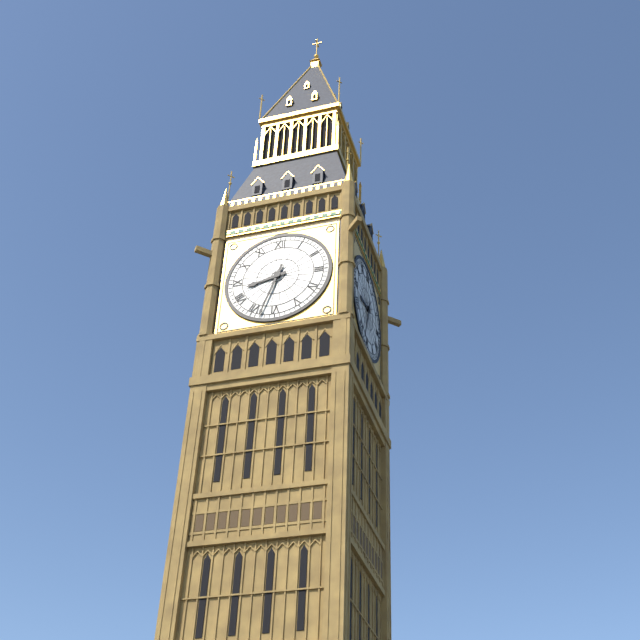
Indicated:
8:33
